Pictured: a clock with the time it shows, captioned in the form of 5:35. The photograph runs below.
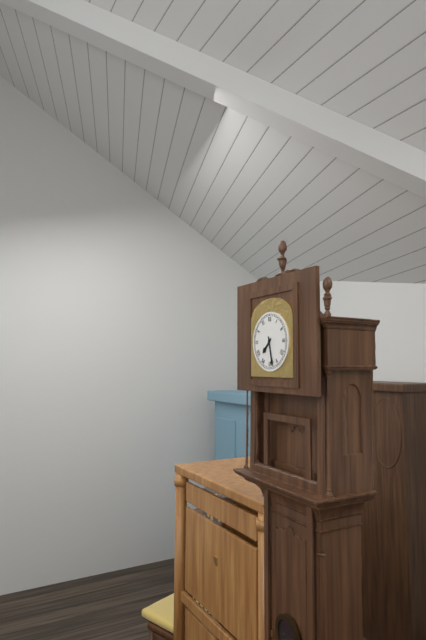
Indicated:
7:28
